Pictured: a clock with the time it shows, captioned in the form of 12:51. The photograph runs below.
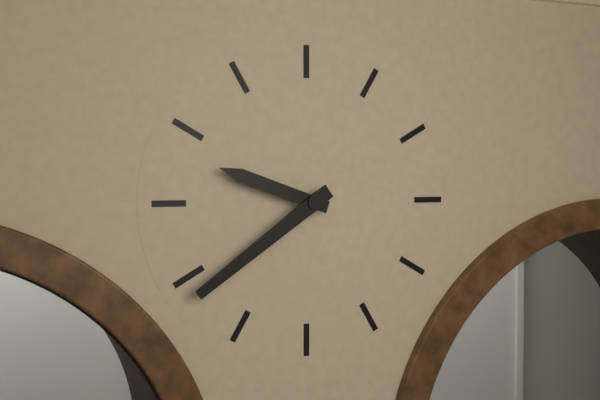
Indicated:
9:39
